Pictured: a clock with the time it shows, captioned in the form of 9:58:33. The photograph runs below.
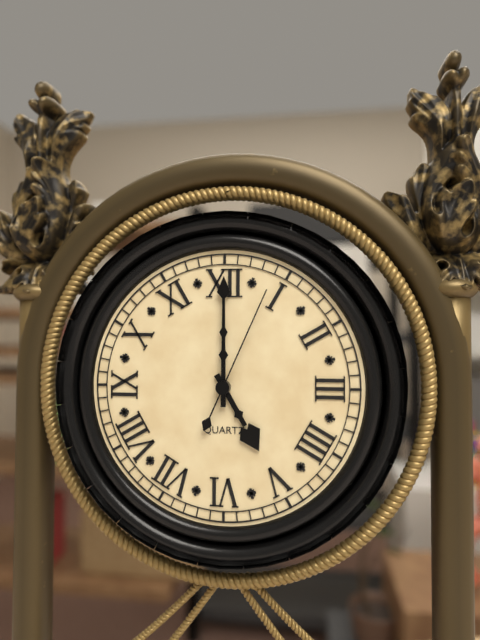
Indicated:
5:00:04
